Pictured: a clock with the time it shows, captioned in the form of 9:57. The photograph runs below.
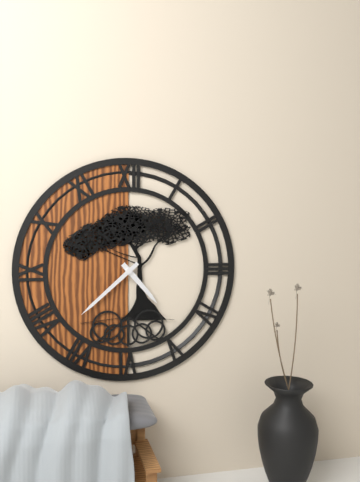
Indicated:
4:38
